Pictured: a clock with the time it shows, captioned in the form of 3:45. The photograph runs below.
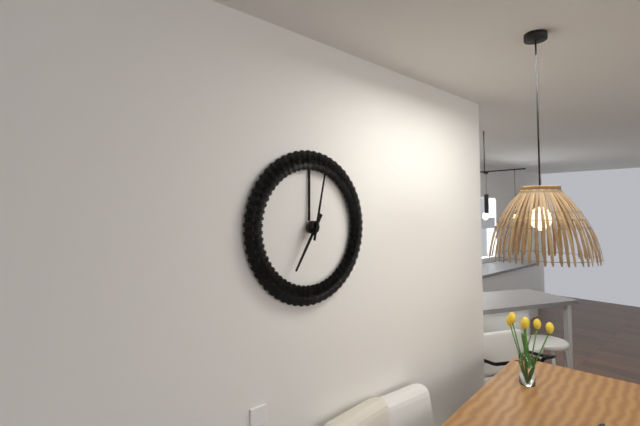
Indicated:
7:02
